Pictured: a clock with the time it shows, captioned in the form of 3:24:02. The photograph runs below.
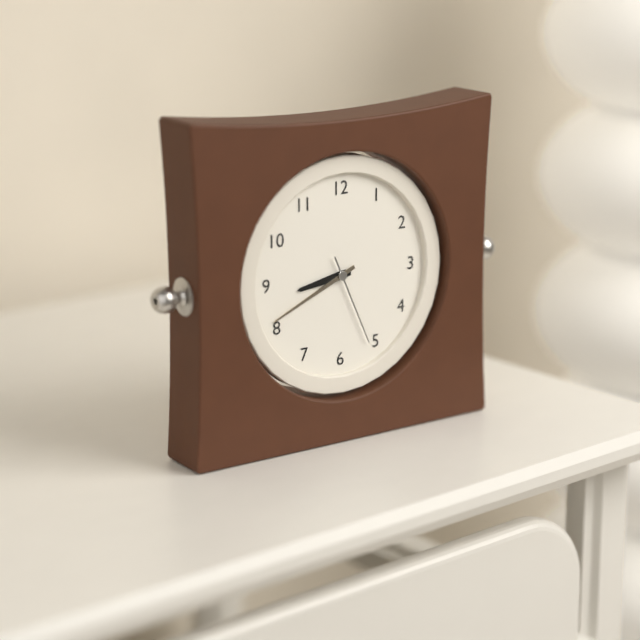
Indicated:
8:41:26
